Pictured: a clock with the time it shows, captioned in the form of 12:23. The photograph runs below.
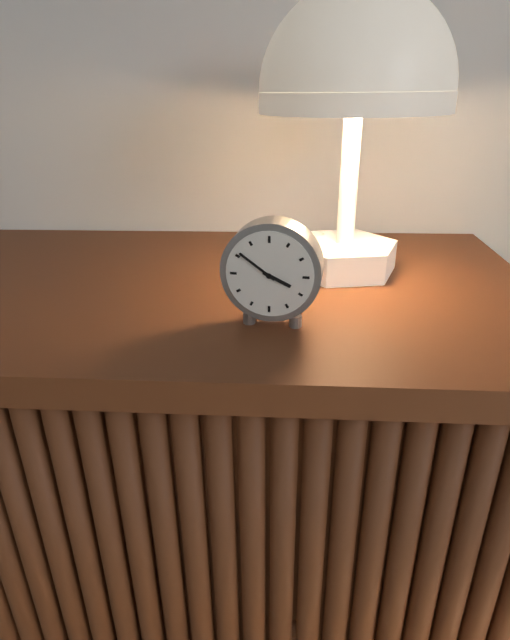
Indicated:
3:51
